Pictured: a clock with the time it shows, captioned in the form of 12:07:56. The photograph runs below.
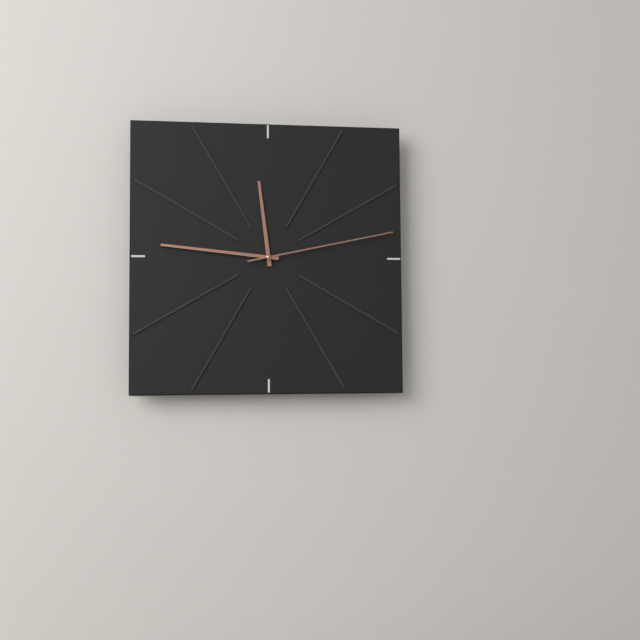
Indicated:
11:46:13
